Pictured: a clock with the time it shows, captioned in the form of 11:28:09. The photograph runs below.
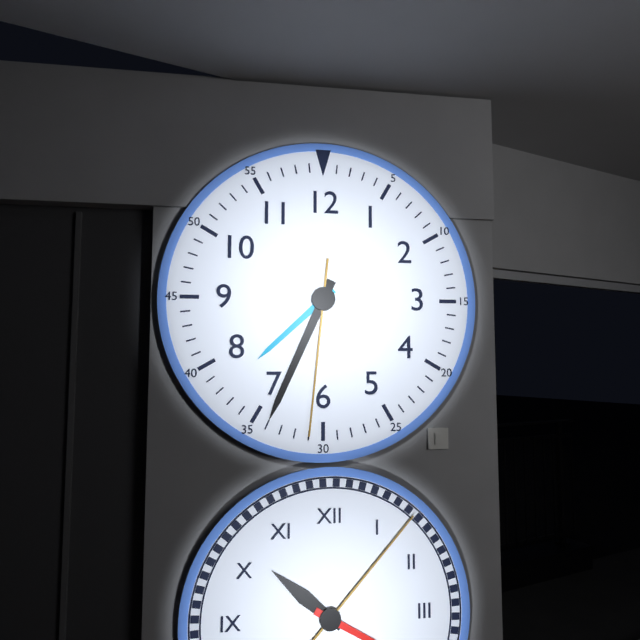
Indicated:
7:34:31
